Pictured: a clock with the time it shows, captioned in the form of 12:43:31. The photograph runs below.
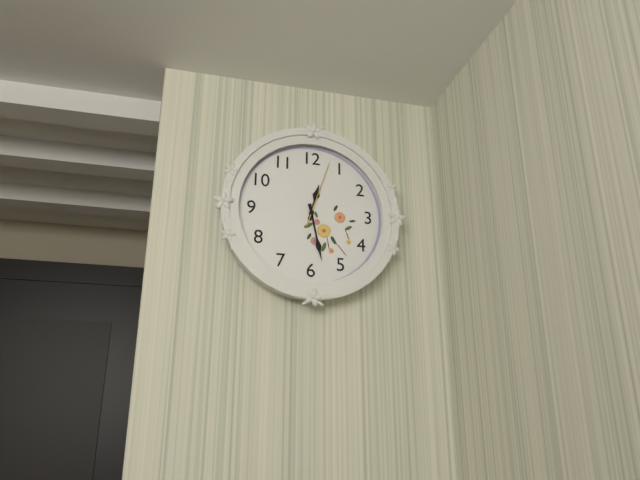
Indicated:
12:28:03
